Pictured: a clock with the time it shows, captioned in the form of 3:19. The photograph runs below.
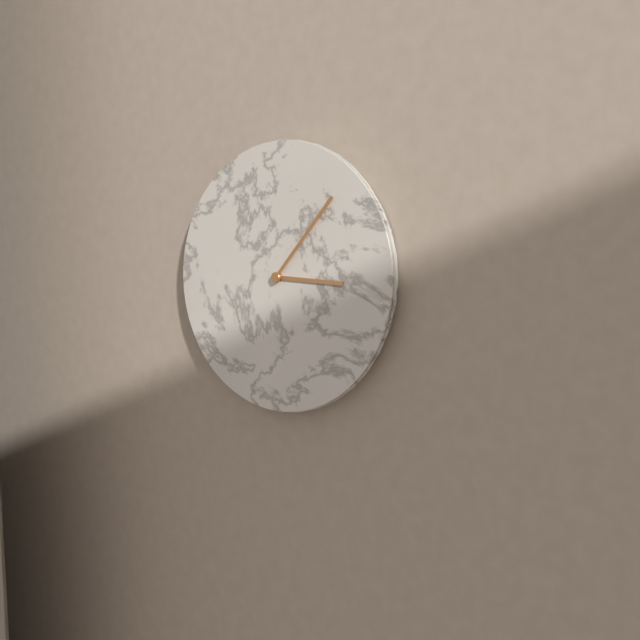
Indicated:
3:07
